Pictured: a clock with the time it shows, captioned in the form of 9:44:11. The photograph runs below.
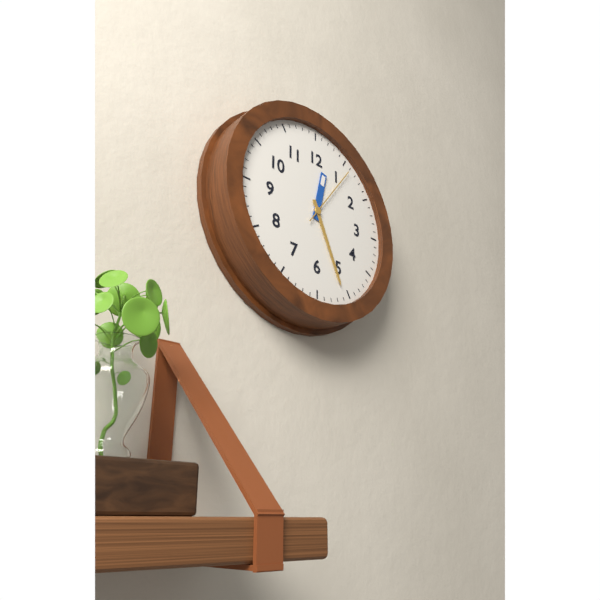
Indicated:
12:26:06
